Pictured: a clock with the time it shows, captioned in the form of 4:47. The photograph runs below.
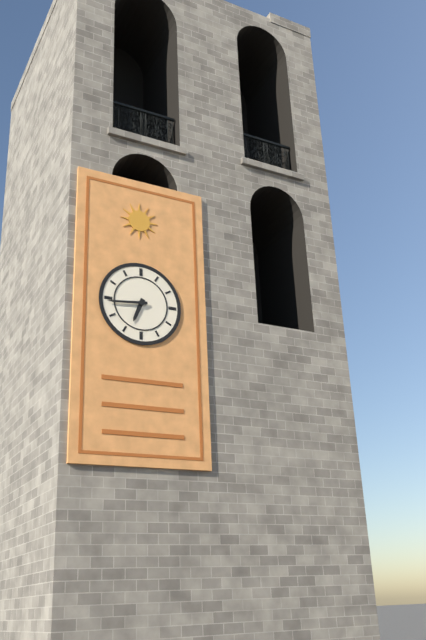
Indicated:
6:44
